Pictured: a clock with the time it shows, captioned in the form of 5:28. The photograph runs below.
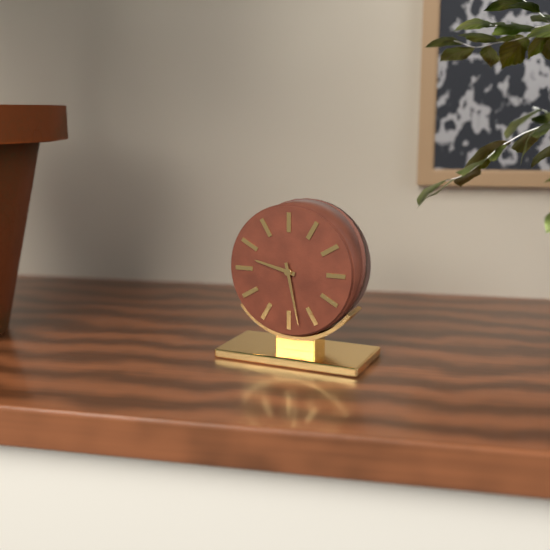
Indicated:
9:28
